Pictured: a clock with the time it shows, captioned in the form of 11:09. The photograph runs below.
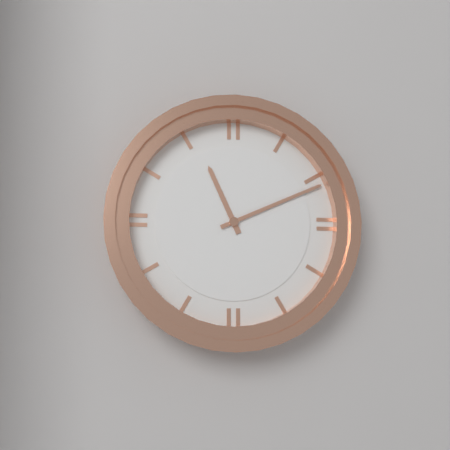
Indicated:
11:11
